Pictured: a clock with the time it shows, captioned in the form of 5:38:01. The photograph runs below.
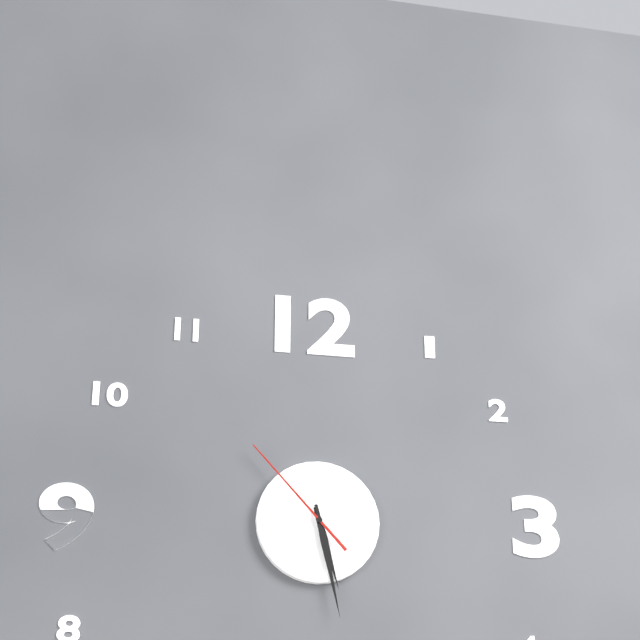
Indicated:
5:28:53
